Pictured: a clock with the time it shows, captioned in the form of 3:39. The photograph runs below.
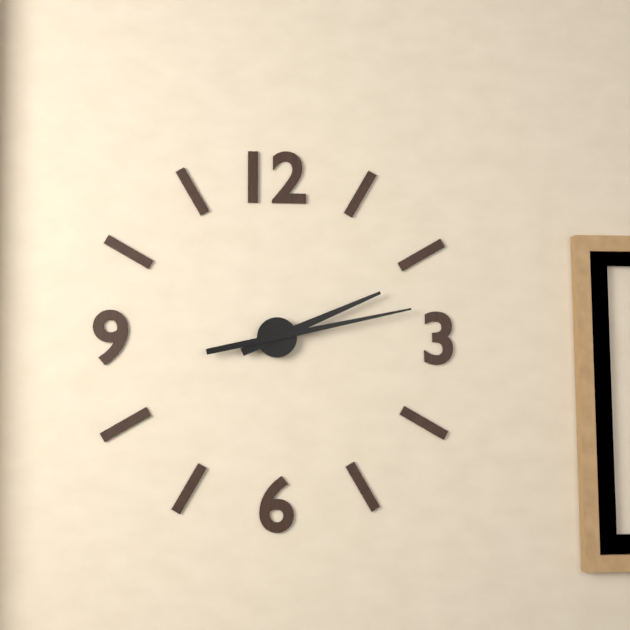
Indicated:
2:13
